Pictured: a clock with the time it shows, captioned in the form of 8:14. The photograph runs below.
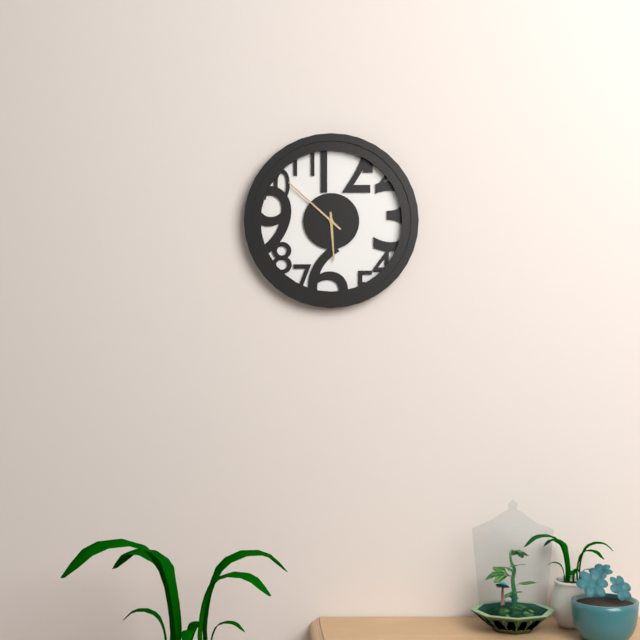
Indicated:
5:52
